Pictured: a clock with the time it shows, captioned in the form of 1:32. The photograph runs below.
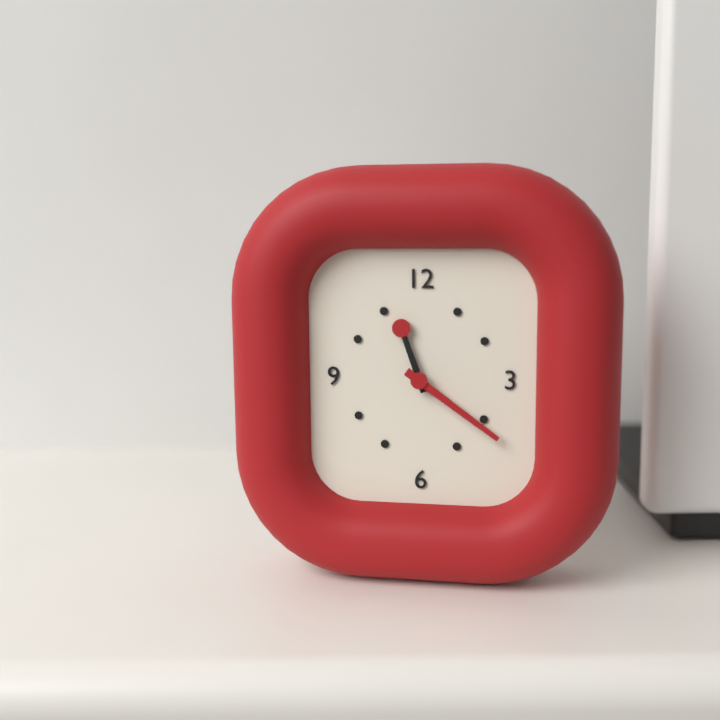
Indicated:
11:21
